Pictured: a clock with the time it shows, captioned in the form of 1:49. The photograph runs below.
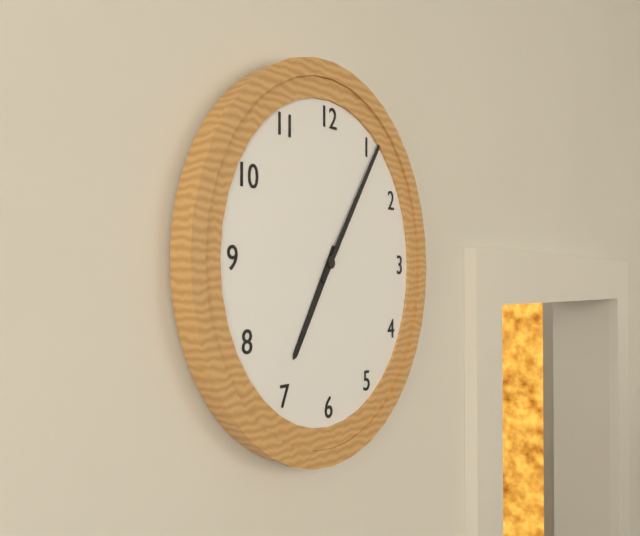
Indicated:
7:06
